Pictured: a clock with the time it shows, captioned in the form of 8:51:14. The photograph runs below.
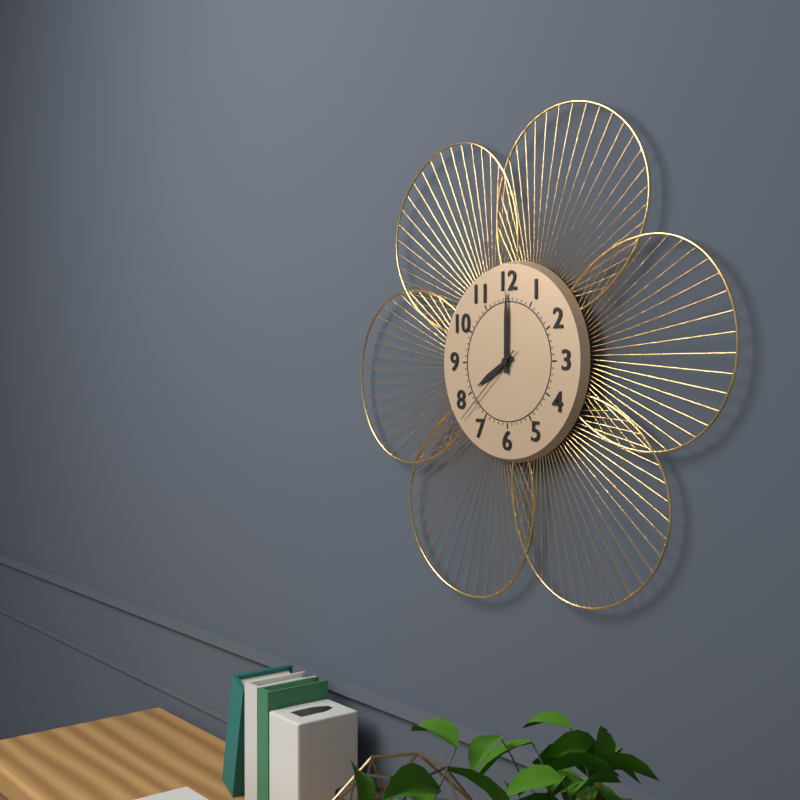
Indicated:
8:00:38
